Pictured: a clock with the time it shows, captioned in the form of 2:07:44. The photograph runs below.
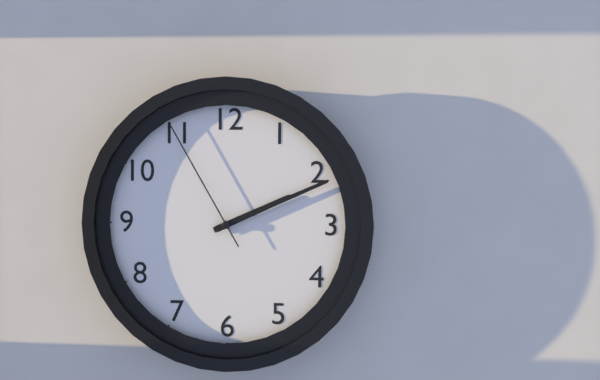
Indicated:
2:11:55
